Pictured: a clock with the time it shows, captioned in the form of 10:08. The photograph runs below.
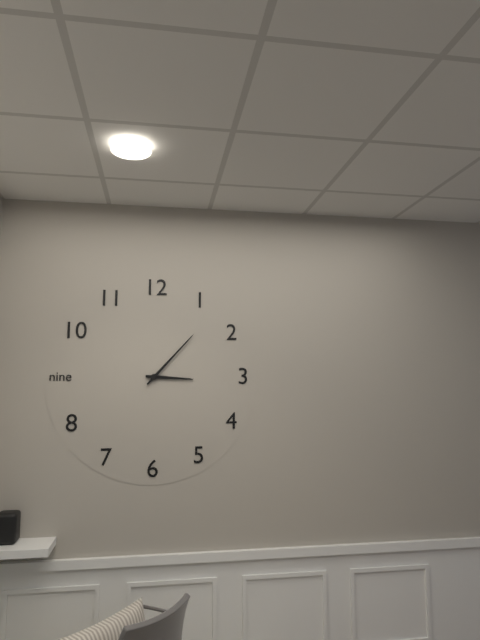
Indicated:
3:07
